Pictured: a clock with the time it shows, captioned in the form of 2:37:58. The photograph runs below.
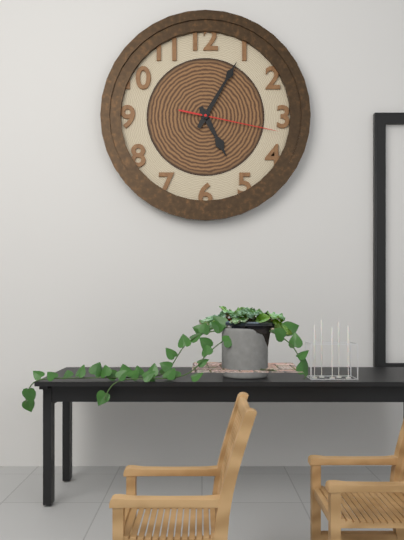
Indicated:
5:05:17
